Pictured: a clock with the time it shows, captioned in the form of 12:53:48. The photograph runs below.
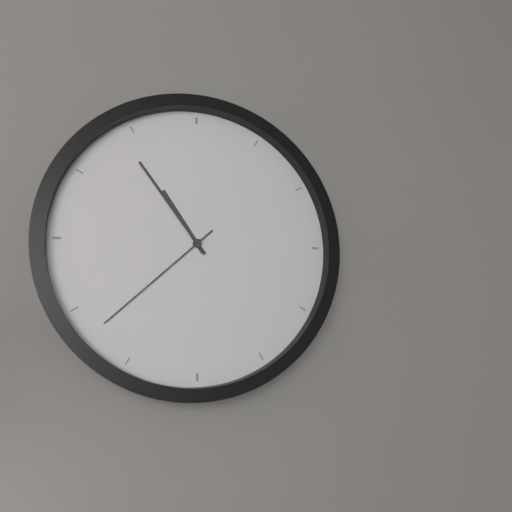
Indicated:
10:54:38
